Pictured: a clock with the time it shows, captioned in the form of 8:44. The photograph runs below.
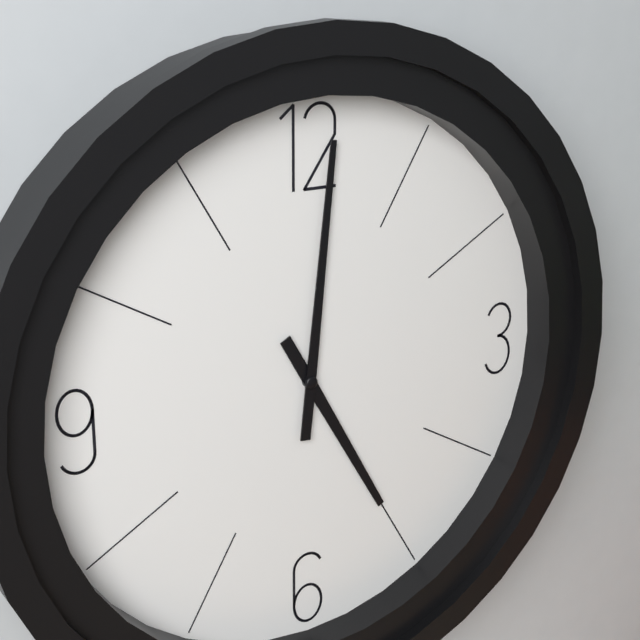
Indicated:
5:01
